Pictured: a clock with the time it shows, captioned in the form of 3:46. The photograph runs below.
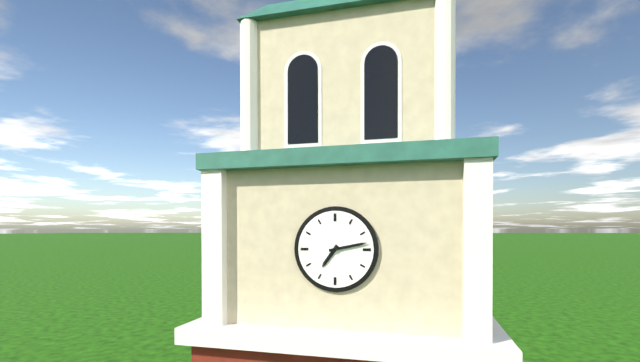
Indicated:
7:13
